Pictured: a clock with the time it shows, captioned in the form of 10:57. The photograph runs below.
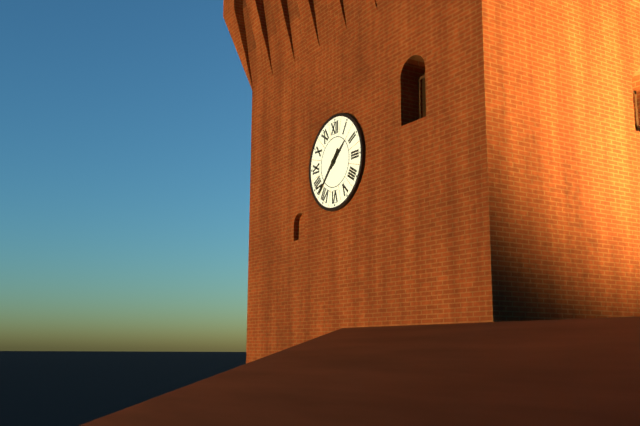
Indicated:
1:37
